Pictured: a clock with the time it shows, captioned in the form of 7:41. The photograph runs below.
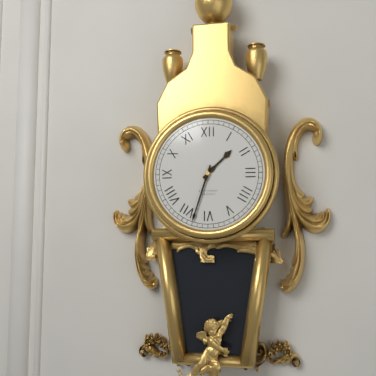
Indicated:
1:33
